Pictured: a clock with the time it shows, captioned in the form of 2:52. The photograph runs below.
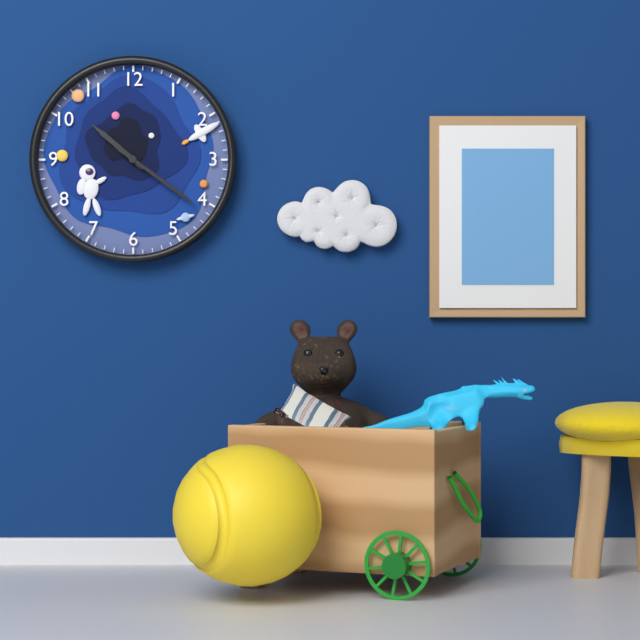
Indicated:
10:21
